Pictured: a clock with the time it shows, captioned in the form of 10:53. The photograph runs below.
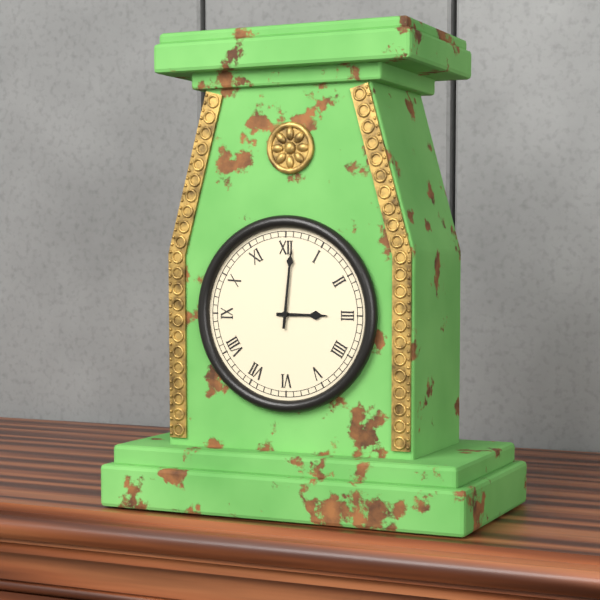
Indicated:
3:01
